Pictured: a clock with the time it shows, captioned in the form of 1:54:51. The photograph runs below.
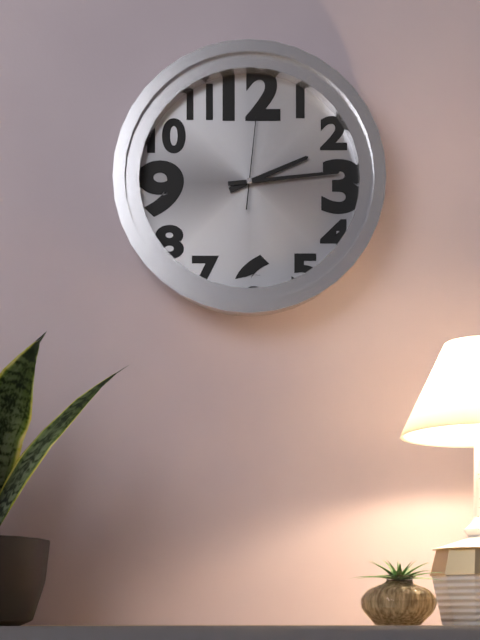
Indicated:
2:14:01
